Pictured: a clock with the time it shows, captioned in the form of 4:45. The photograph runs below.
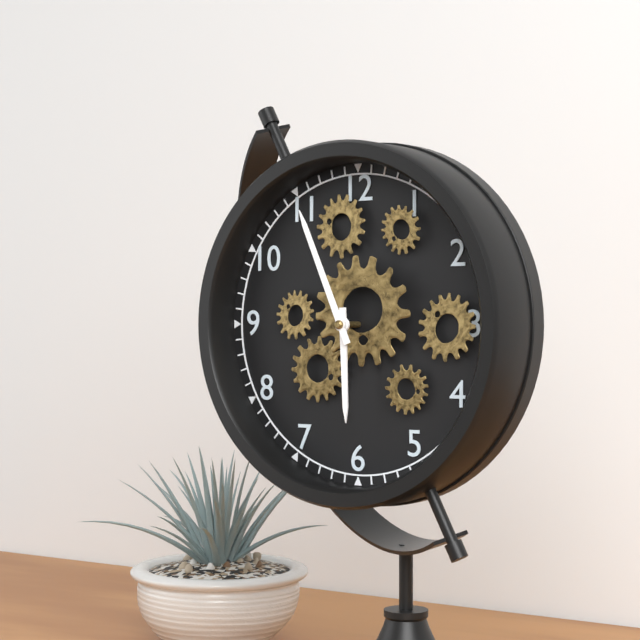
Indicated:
5:56
